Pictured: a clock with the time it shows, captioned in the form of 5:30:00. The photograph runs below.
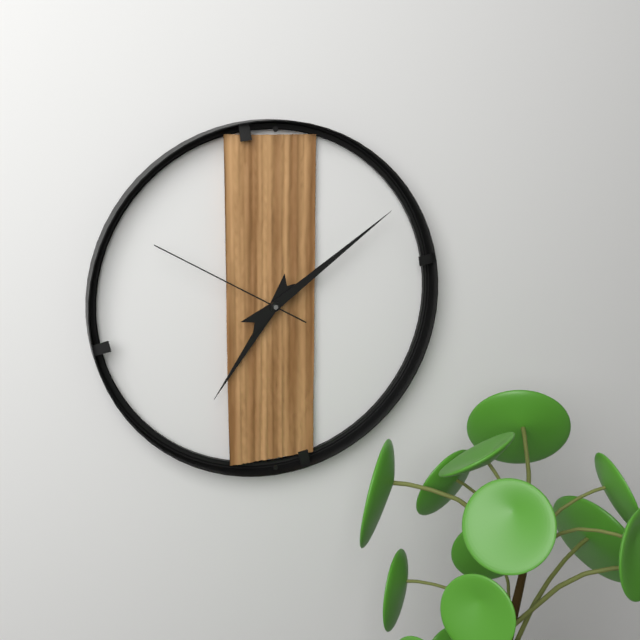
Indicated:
7:09:50
